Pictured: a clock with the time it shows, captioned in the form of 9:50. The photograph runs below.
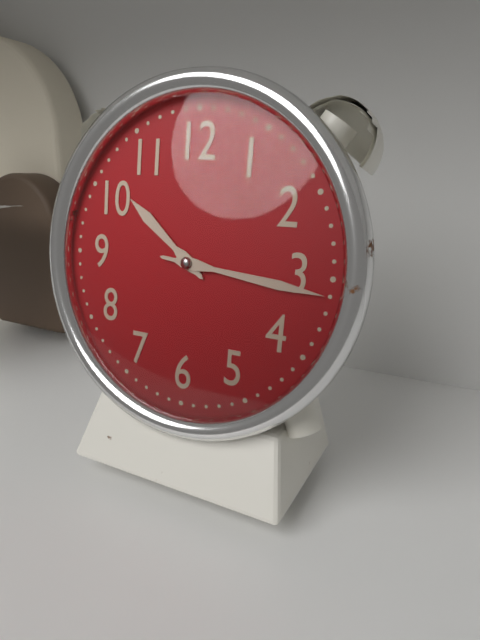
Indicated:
10:16
